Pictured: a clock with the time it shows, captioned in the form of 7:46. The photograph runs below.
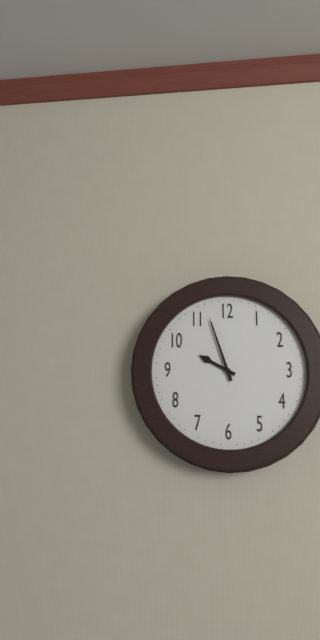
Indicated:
9:57
